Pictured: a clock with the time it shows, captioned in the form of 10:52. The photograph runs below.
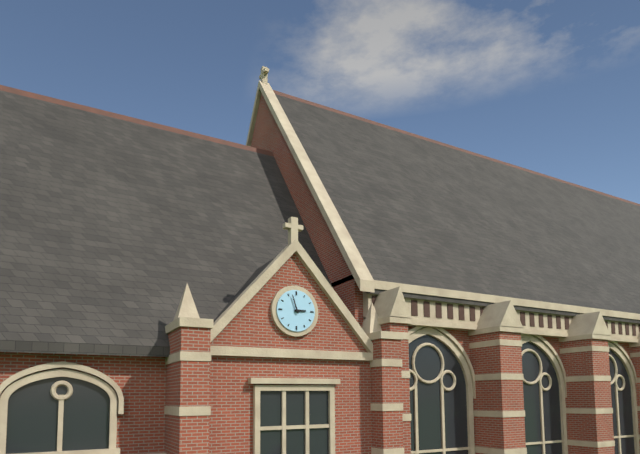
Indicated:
2:57
